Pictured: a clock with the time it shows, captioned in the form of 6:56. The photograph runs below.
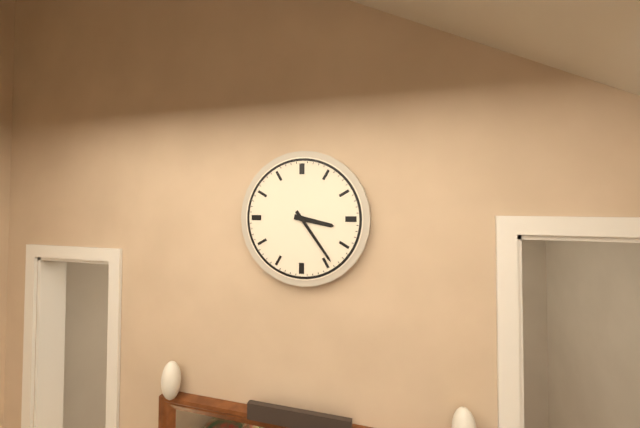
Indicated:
3:24
